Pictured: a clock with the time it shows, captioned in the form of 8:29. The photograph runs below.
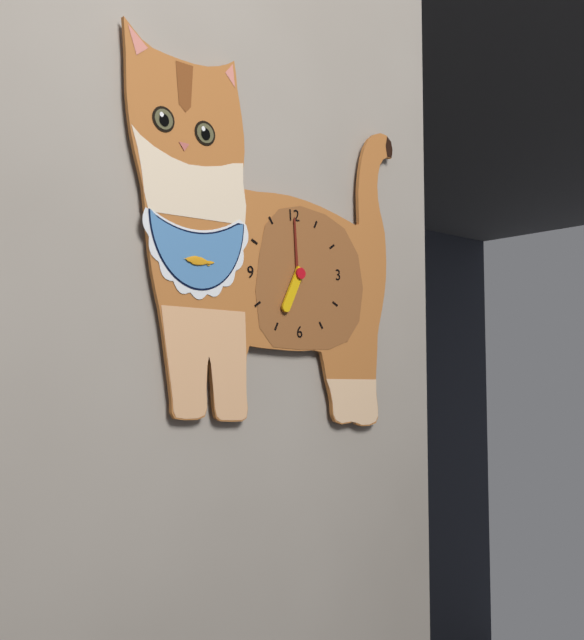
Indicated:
7:00
